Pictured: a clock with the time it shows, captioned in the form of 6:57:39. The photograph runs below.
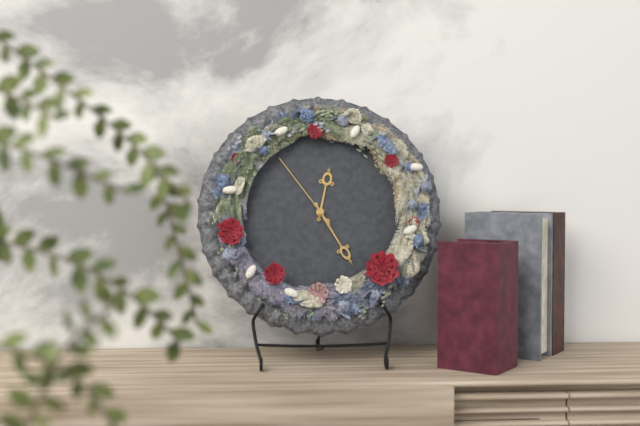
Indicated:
12:25:54
